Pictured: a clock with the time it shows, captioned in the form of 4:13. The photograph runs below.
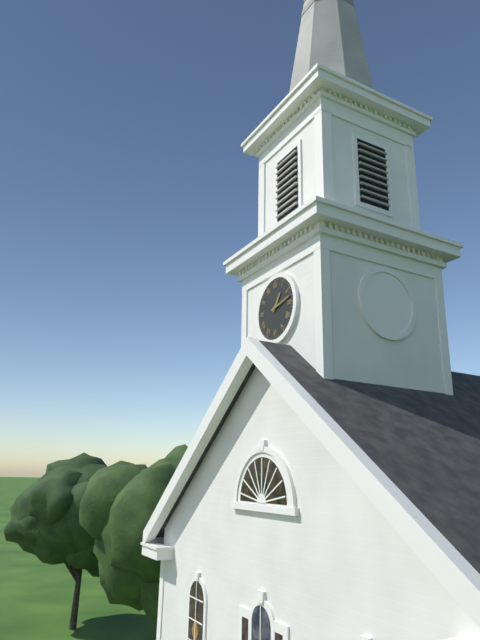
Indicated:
1:13
